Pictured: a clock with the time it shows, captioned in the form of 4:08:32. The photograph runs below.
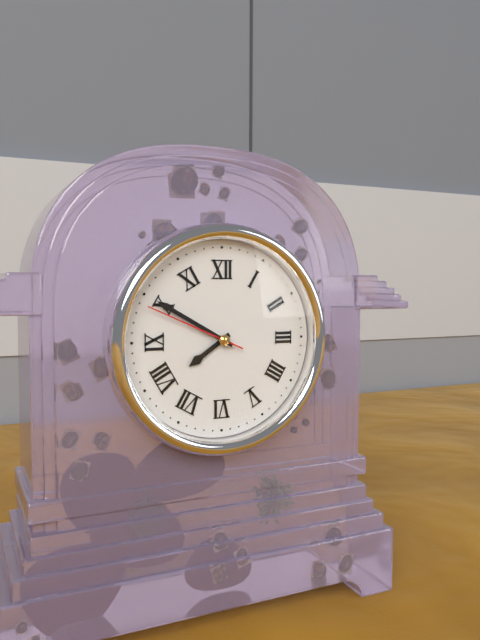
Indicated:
7:50:49
